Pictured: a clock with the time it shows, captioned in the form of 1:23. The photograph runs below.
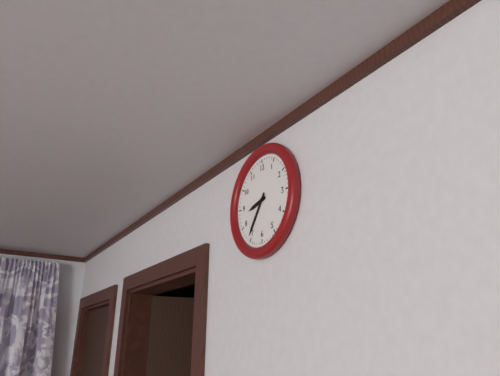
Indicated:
8:36
